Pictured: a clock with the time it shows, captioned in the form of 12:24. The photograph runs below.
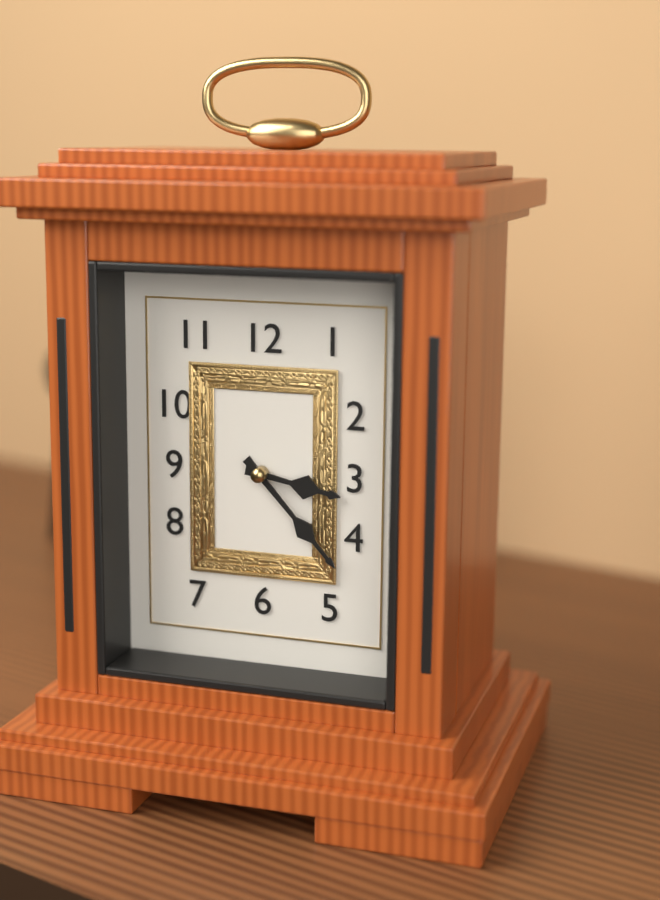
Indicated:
3:23
